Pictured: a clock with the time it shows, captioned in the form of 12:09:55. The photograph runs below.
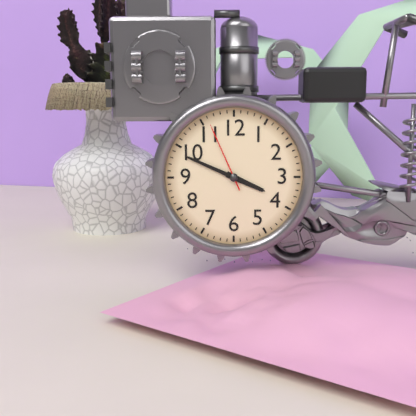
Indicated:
3:49:56
